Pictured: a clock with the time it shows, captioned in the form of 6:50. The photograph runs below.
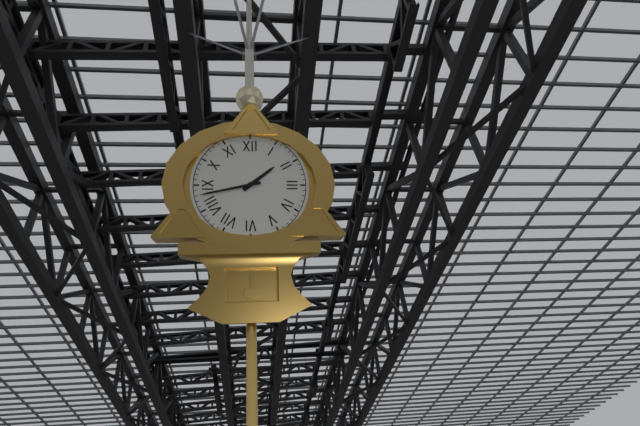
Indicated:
1:43
